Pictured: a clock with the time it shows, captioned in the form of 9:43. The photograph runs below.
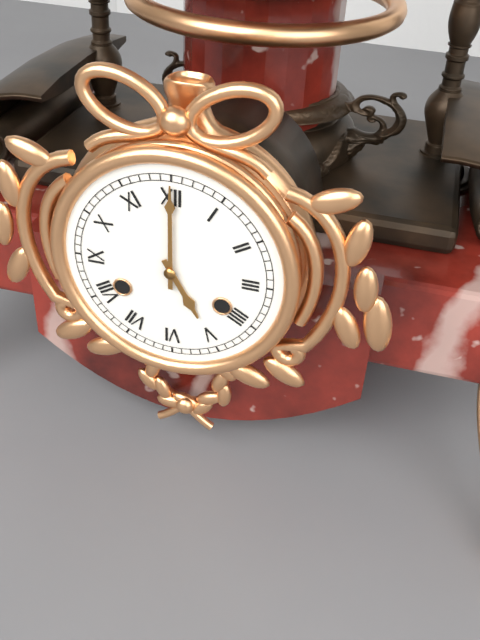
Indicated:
5:00
